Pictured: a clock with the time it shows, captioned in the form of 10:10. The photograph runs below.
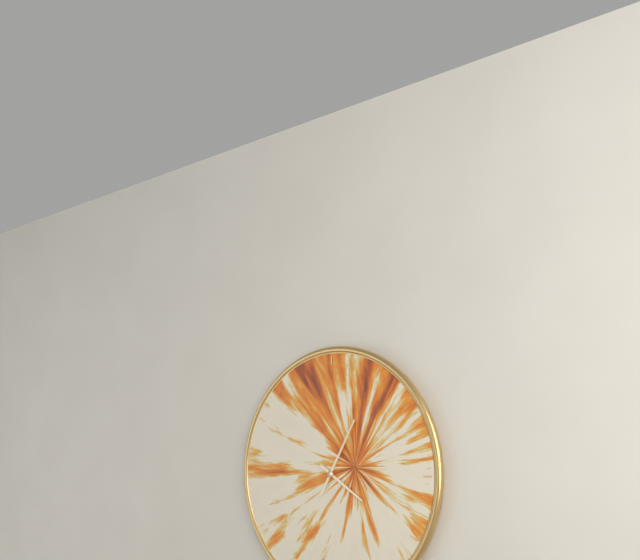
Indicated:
4:05
